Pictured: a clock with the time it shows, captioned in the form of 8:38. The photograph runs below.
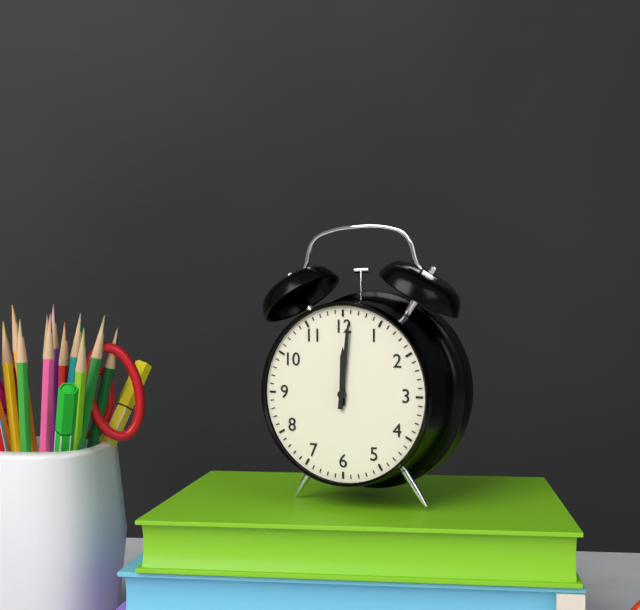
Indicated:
12:01
